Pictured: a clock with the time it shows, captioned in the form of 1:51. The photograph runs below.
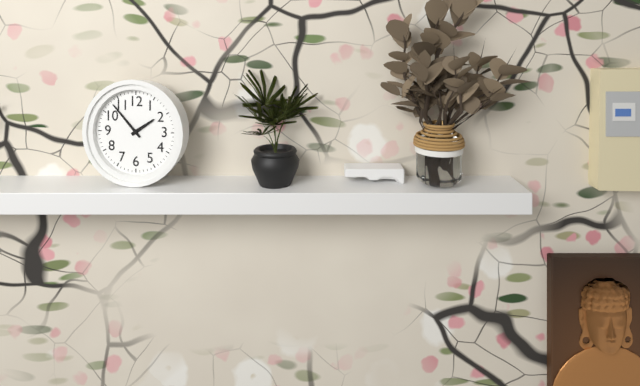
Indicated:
1:53
